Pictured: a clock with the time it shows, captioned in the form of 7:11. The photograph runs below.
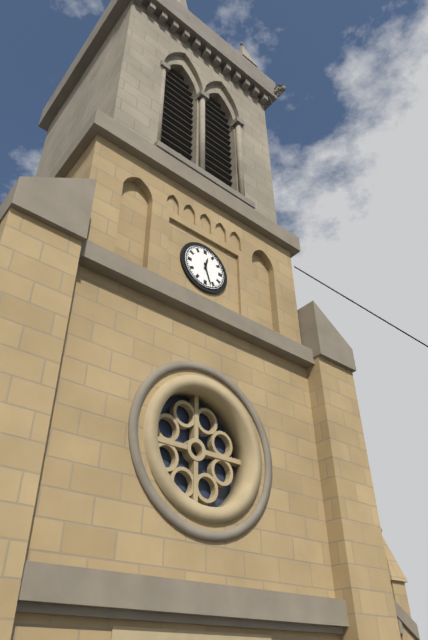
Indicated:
12:27
